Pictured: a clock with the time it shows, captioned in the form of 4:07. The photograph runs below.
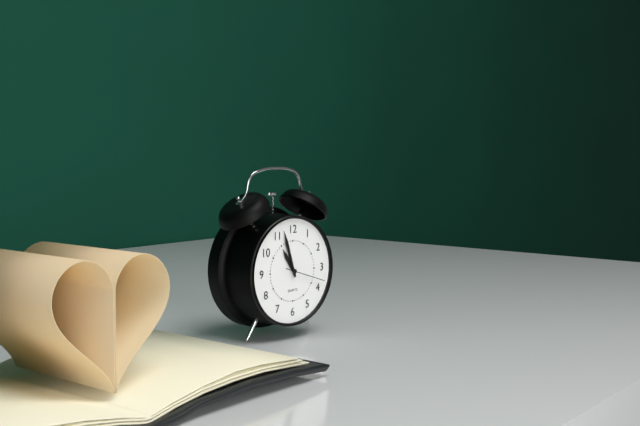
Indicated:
10:57
